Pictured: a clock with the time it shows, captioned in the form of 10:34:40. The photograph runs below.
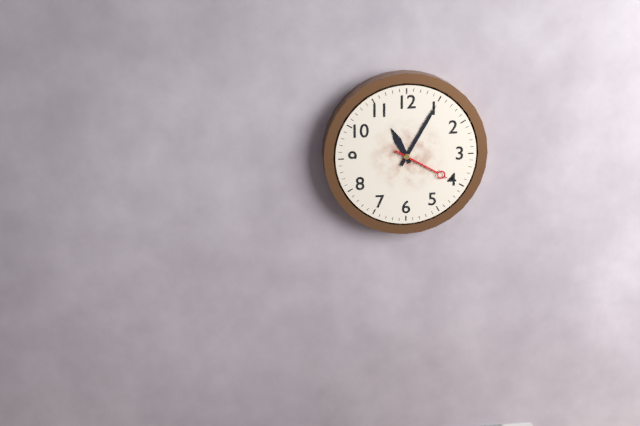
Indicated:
11:05:20
